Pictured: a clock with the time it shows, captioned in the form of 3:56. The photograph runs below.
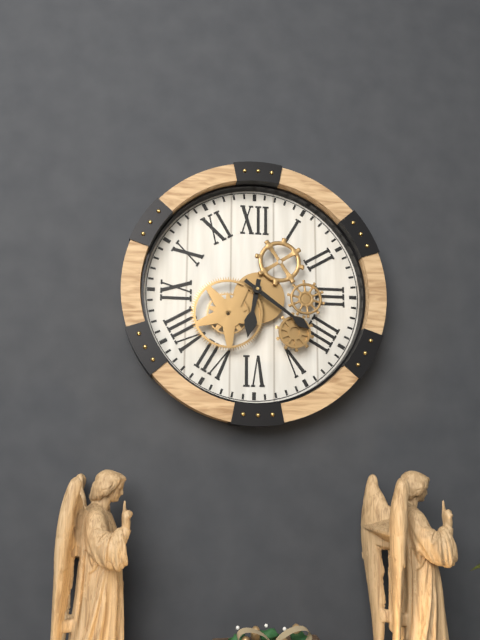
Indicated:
6:21
